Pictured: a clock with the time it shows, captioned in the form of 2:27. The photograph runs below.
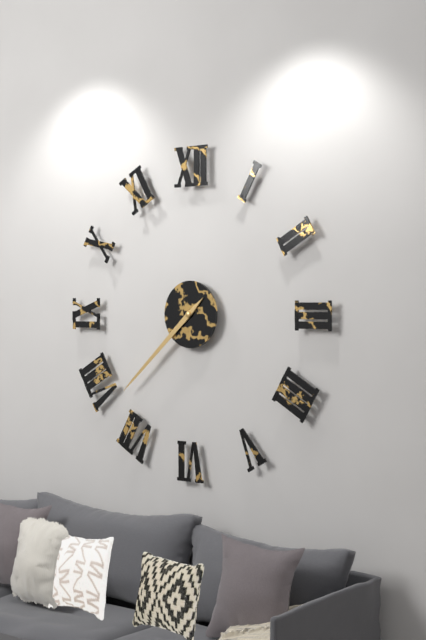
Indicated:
7:38
